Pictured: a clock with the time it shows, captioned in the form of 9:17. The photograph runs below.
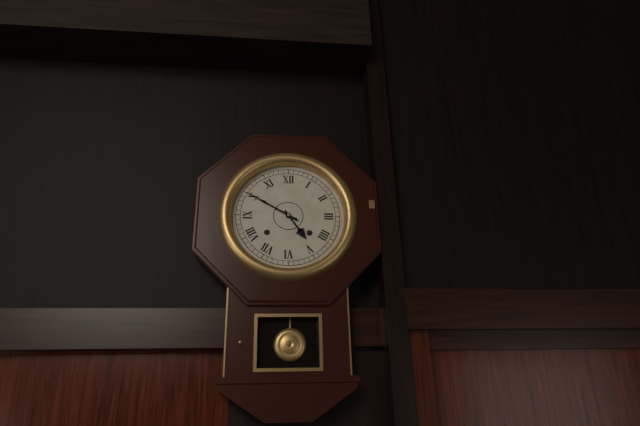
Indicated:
4:50
